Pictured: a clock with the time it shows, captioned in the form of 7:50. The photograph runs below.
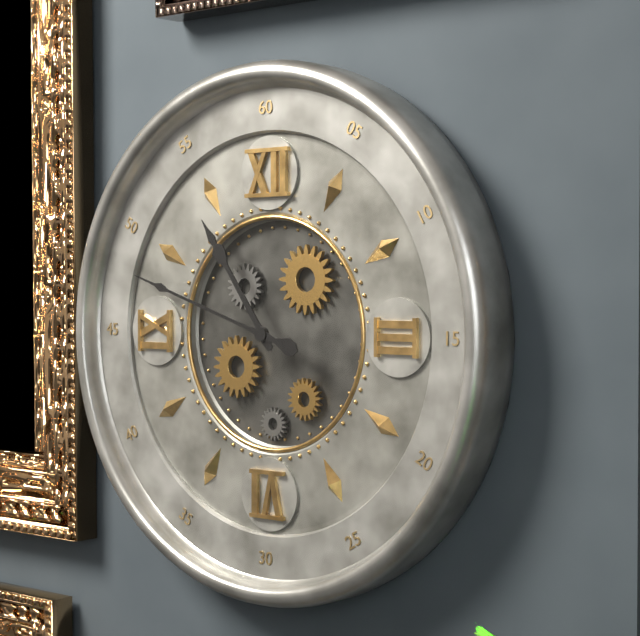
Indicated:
10:48
